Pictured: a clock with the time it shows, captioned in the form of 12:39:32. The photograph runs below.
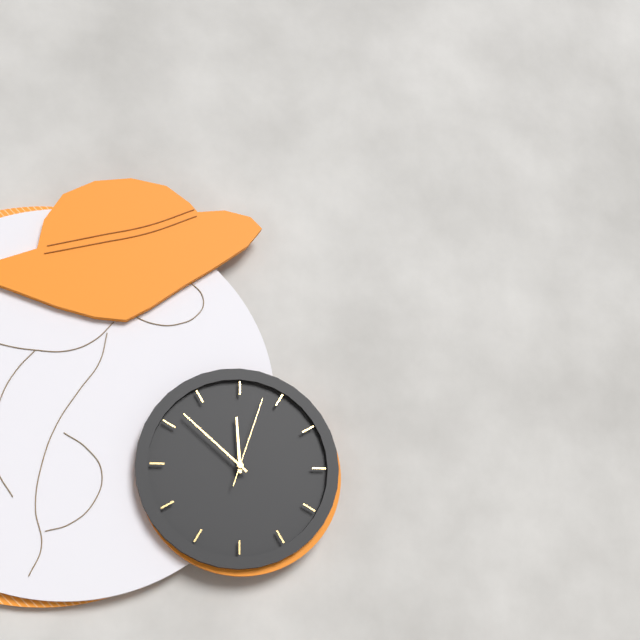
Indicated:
11:52:03
